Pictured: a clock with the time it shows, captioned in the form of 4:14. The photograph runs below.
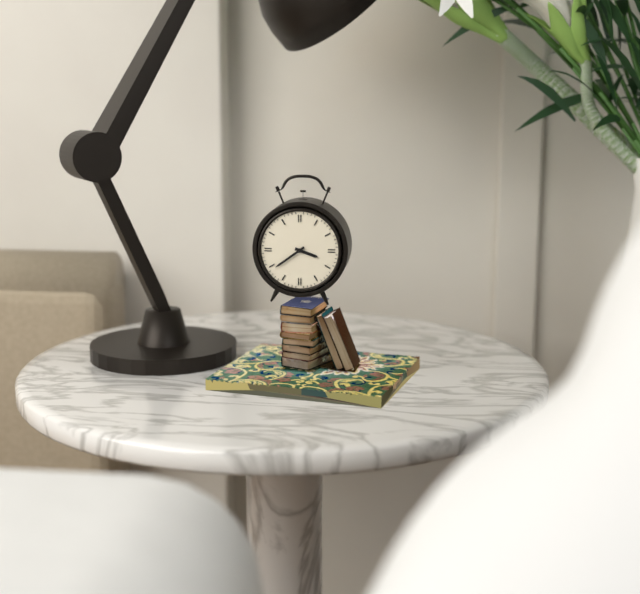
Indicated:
3:39
